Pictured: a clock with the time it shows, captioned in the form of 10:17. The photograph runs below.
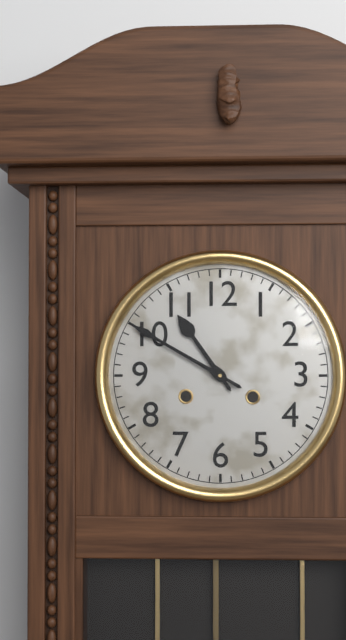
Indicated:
10:50
